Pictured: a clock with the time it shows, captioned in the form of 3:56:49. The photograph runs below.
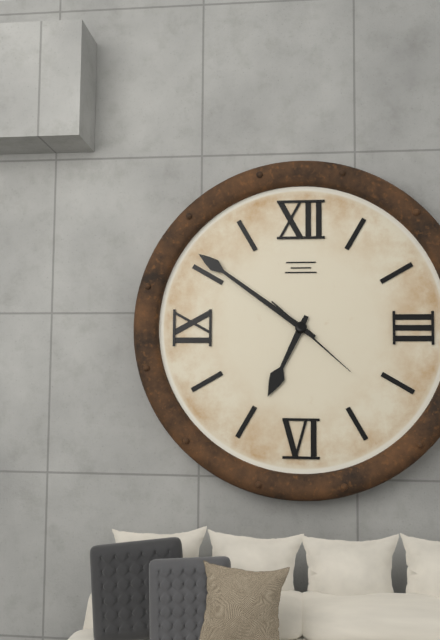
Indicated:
6:51:22
